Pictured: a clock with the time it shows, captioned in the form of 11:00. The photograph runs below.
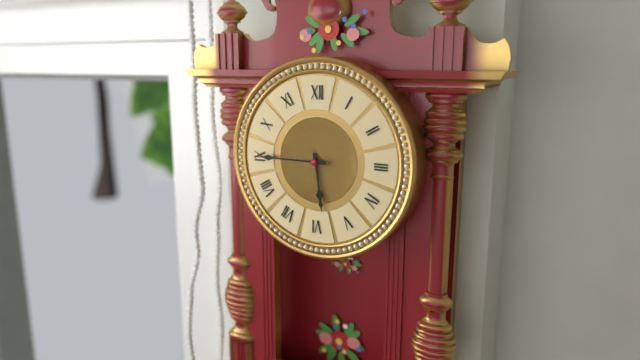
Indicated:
5:45
